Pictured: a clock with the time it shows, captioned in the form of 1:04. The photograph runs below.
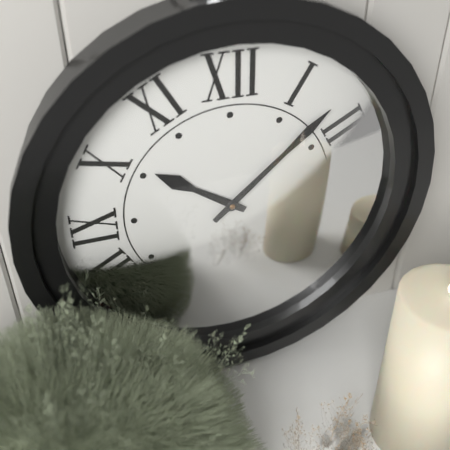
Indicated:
10:08
